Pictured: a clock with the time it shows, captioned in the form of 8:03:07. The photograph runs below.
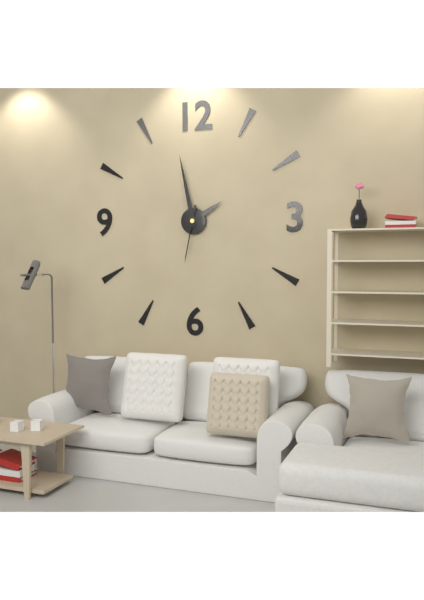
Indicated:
1:58:32
